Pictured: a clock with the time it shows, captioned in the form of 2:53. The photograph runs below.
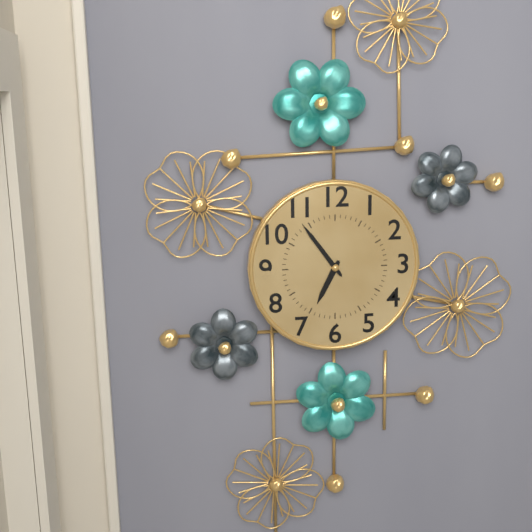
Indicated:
6:54
